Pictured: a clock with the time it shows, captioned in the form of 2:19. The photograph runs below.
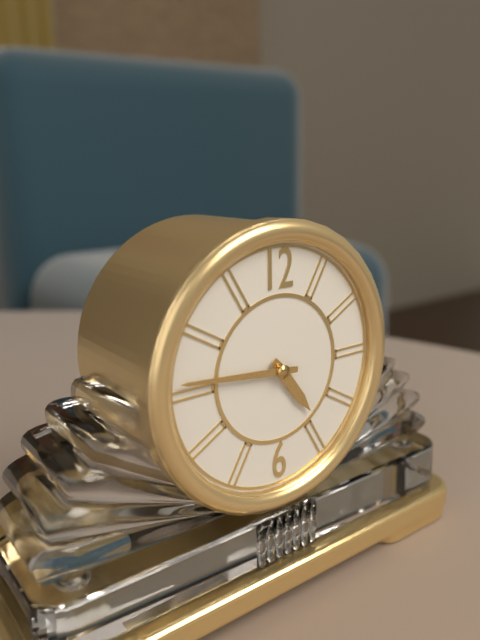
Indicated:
4:46
